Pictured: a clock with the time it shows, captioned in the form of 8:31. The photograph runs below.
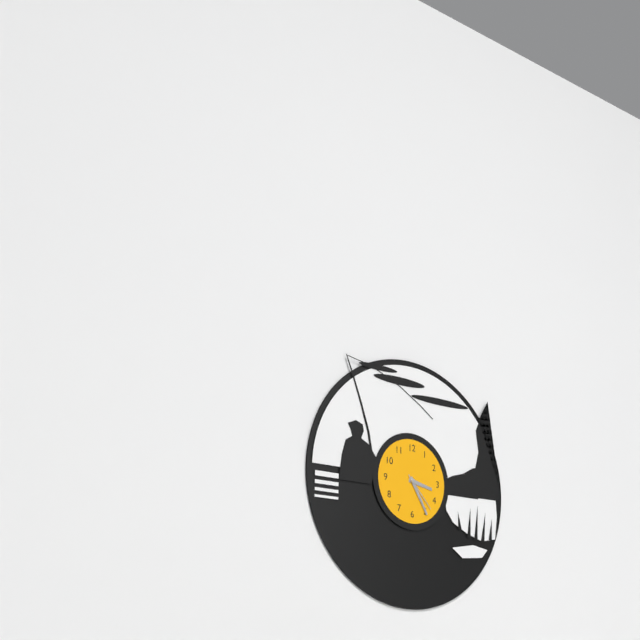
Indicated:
3:25
